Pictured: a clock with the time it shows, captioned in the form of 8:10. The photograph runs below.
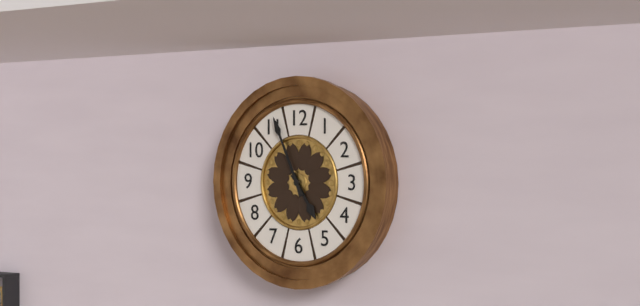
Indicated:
4:56
